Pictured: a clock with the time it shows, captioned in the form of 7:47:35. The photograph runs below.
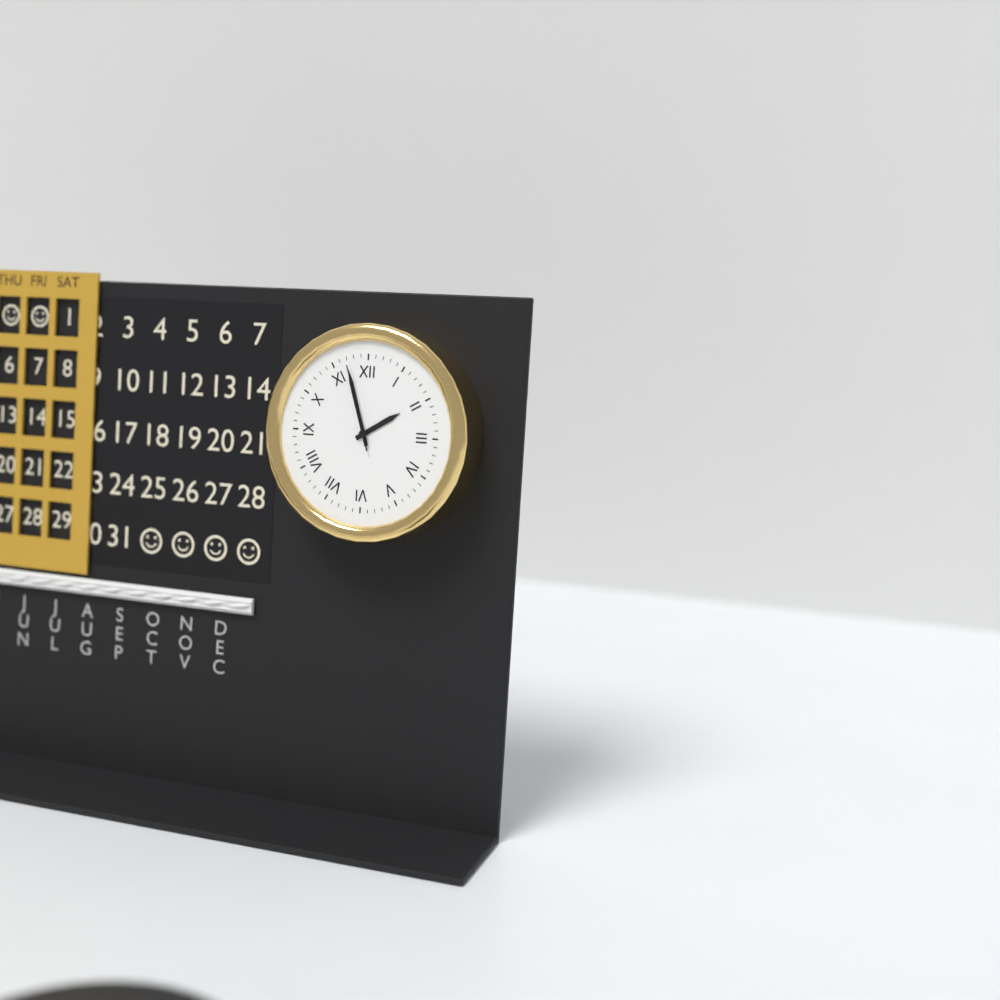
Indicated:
1:57:57
